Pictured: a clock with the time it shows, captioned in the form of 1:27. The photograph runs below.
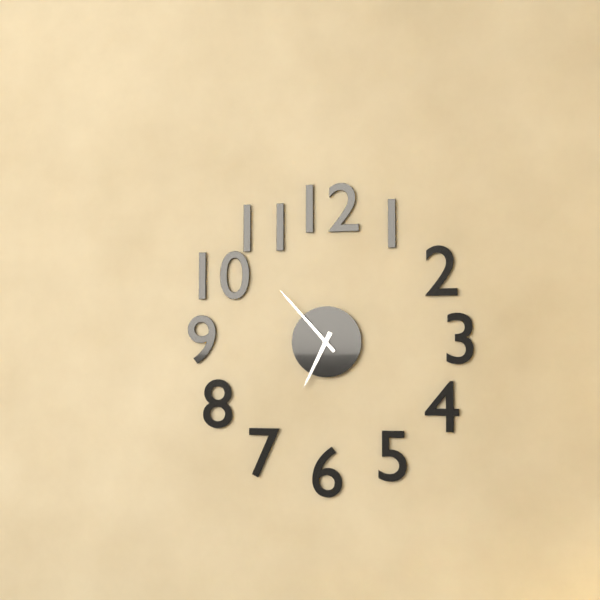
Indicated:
6:53
